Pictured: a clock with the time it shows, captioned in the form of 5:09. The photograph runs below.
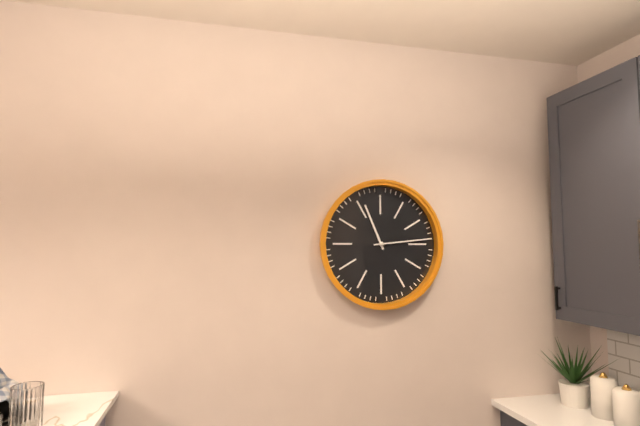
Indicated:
11:14
